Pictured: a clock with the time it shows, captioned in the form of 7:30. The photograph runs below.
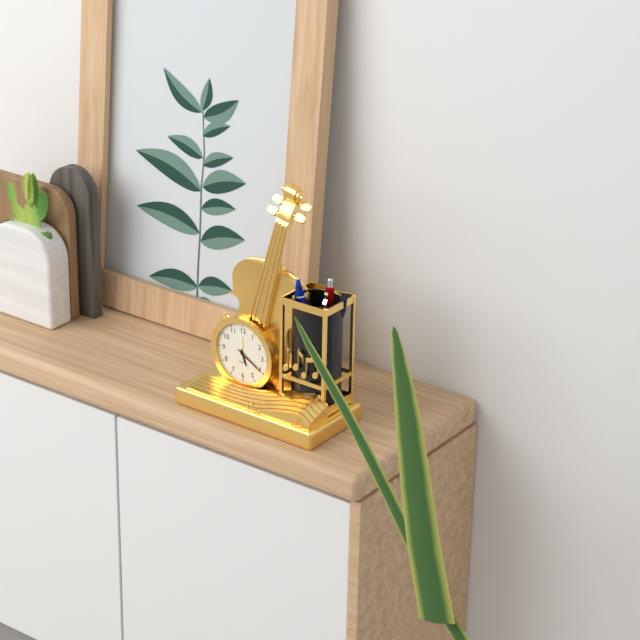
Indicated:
5:20
